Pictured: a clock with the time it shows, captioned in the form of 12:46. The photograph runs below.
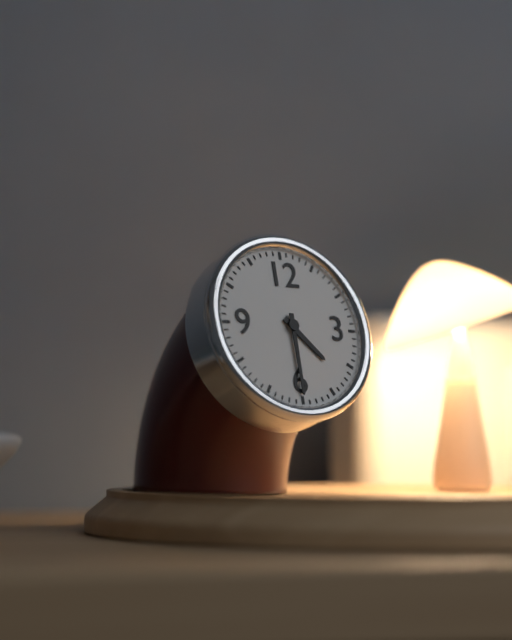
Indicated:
4:30
